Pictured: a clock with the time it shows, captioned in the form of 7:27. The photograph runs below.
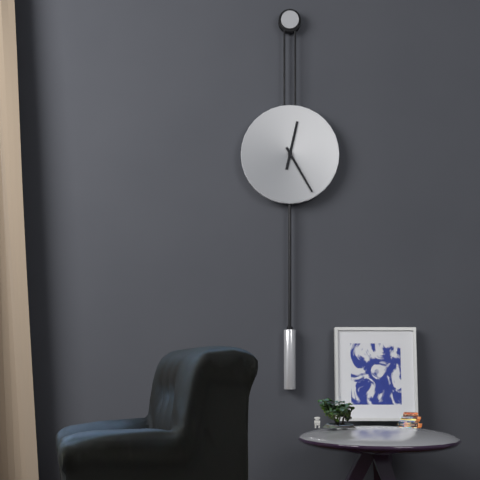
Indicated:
12:25
